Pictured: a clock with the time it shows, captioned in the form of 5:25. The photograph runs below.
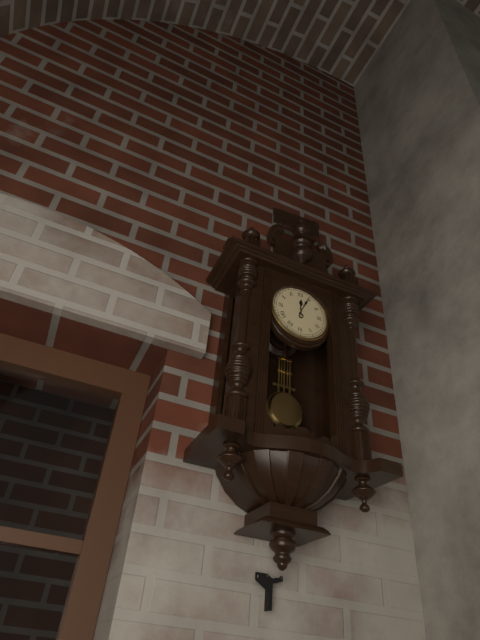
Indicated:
12:04
